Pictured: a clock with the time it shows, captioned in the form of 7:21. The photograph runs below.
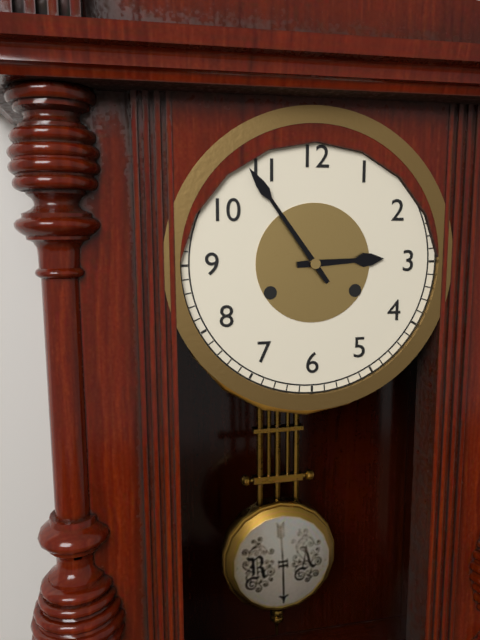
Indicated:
2:54
